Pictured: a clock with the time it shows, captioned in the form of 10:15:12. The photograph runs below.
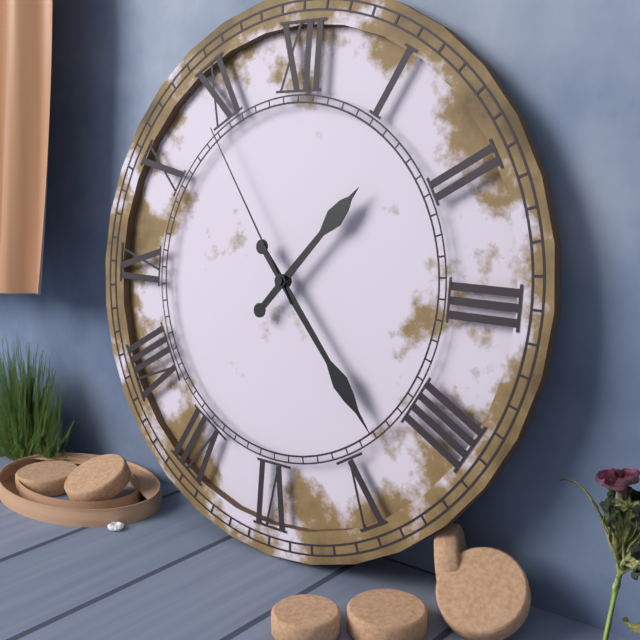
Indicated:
1:23:54
